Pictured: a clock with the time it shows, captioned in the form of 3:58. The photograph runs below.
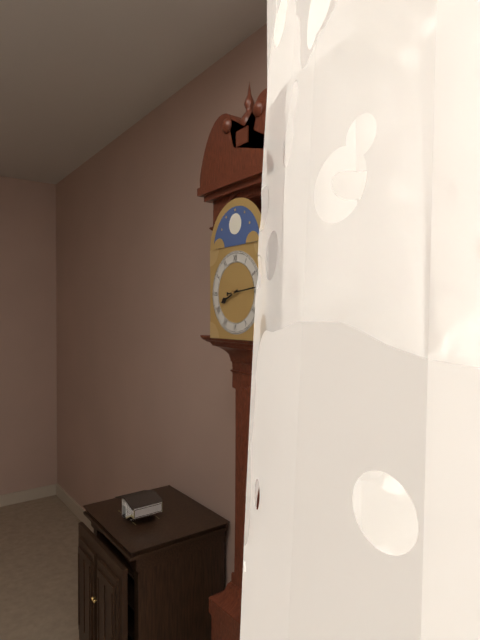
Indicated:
8:14
